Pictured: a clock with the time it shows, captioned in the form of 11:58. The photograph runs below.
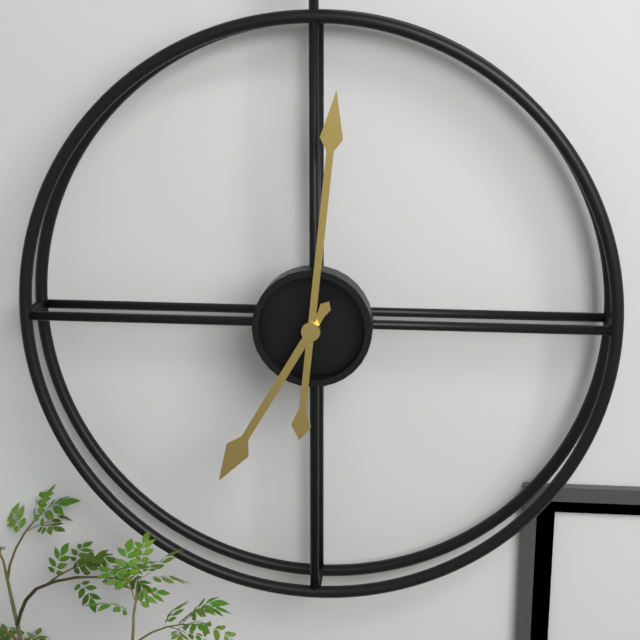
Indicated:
7:01
